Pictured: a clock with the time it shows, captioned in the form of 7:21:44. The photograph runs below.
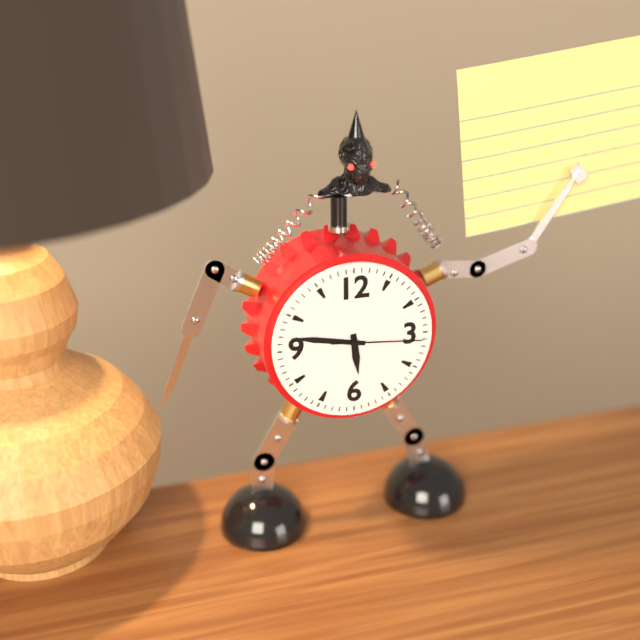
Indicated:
5:47:16
